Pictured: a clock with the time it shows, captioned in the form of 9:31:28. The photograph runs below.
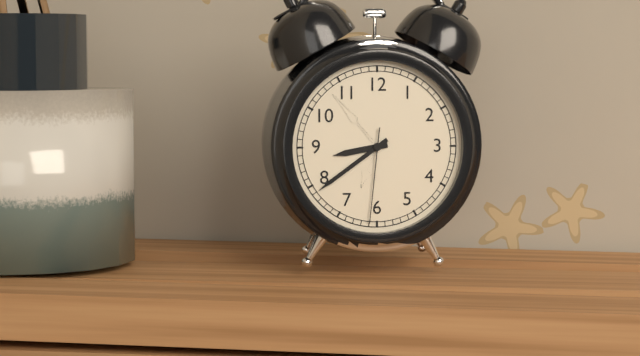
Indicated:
8:39:31
